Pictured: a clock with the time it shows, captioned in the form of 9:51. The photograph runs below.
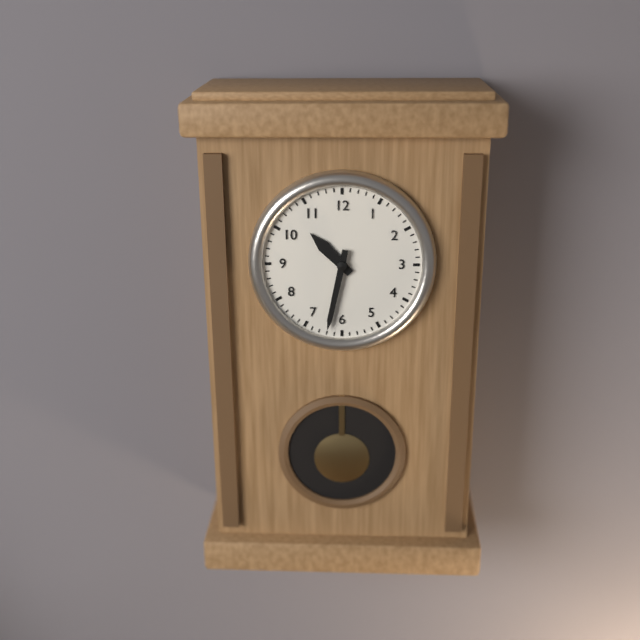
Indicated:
10:32
